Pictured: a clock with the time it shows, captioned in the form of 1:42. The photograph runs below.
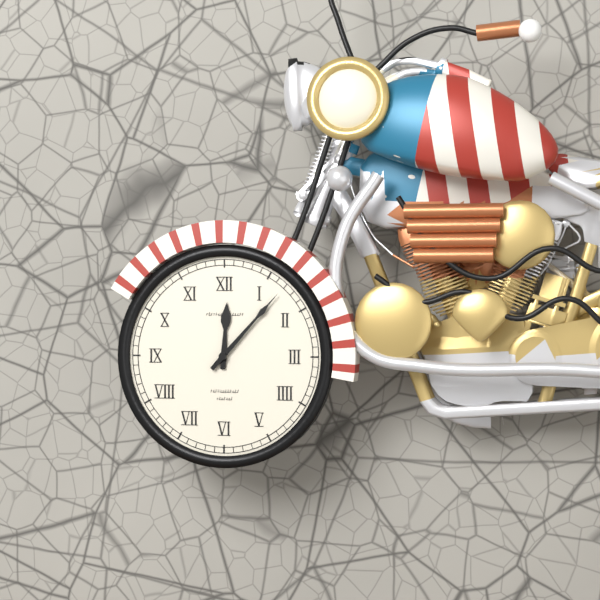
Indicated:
12:07
